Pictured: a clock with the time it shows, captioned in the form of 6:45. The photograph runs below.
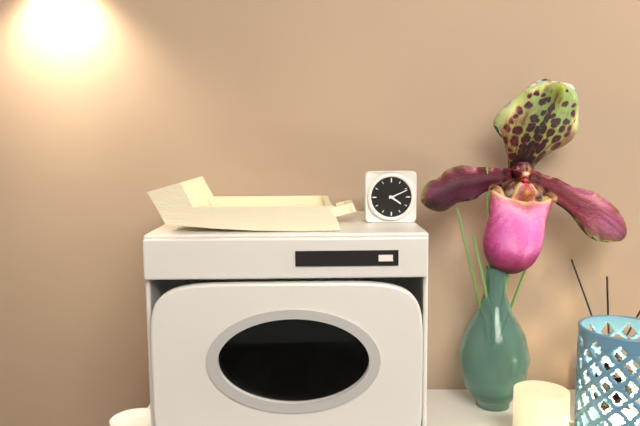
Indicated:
4:11
